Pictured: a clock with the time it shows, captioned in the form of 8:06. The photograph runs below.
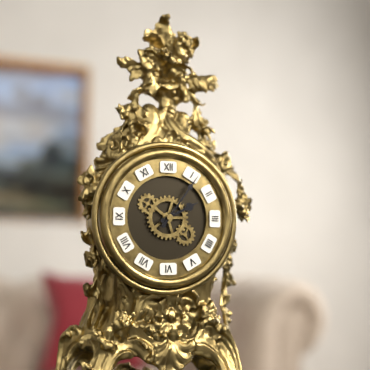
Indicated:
2:06
